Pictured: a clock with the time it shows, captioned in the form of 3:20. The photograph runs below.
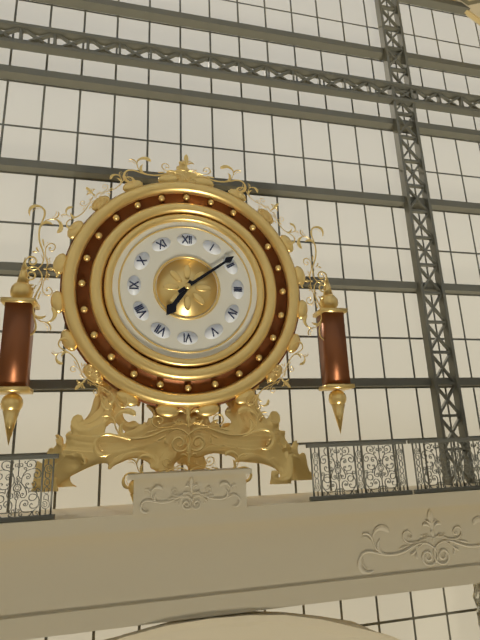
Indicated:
7:09
